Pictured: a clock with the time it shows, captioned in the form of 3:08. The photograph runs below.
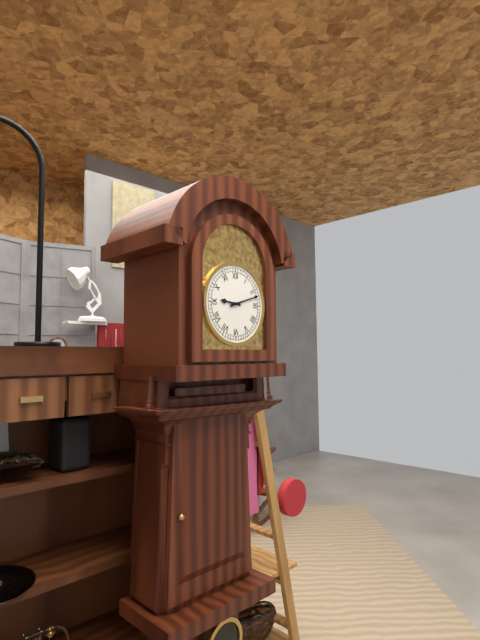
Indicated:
9:12
